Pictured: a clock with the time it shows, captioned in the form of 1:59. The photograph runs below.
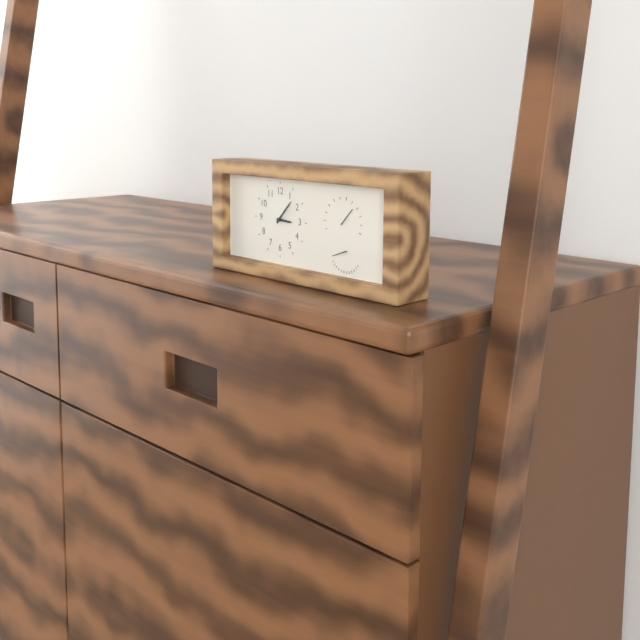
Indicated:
3:07
